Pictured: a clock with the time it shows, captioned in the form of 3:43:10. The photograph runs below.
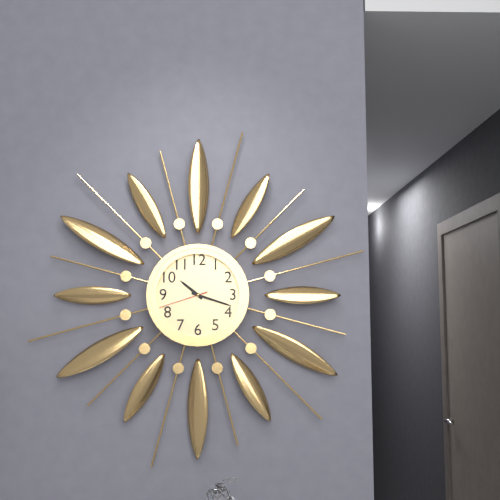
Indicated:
10:18:42
